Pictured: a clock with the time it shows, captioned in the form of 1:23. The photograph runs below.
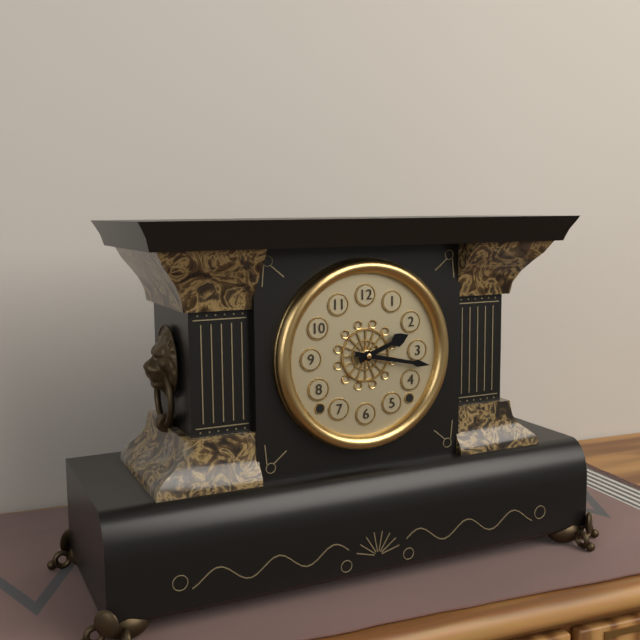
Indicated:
2:17
